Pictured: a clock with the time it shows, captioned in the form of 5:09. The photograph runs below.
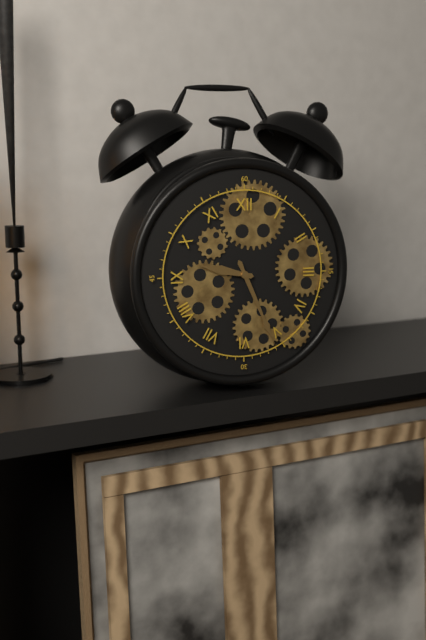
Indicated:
9:26
